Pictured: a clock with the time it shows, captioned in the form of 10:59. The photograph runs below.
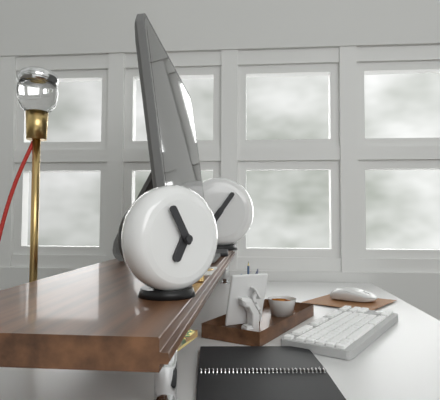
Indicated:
6:55
